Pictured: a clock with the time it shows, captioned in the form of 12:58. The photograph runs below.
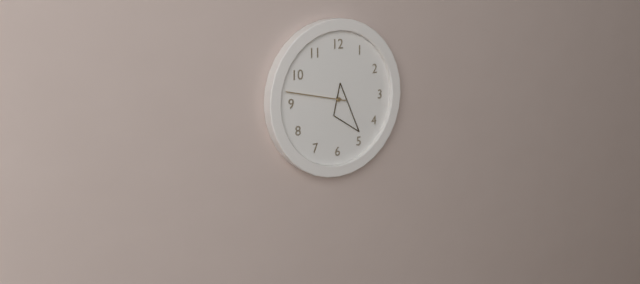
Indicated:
4:47
